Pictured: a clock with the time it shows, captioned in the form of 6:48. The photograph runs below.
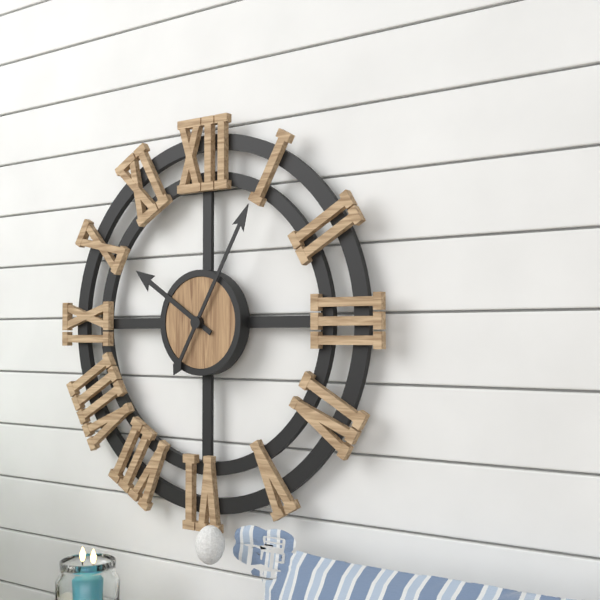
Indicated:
10:05
